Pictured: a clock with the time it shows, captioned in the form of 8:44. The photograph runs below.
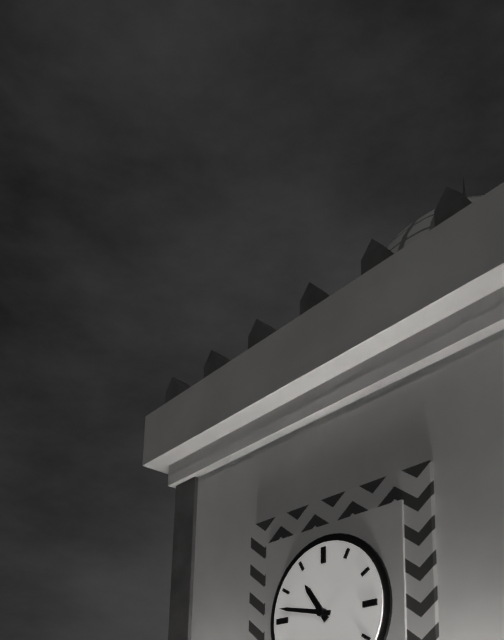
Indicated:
10:47
